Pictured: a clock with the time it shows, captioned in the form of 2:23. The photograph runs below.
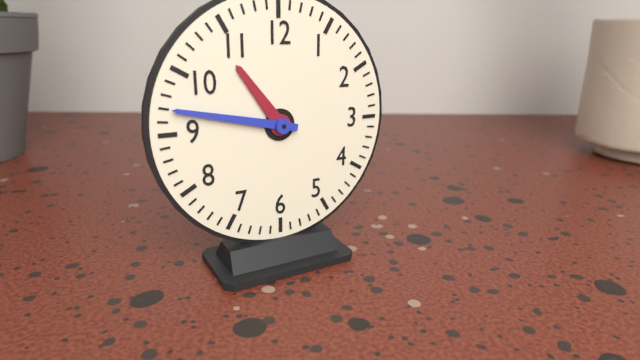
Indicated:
10:47
